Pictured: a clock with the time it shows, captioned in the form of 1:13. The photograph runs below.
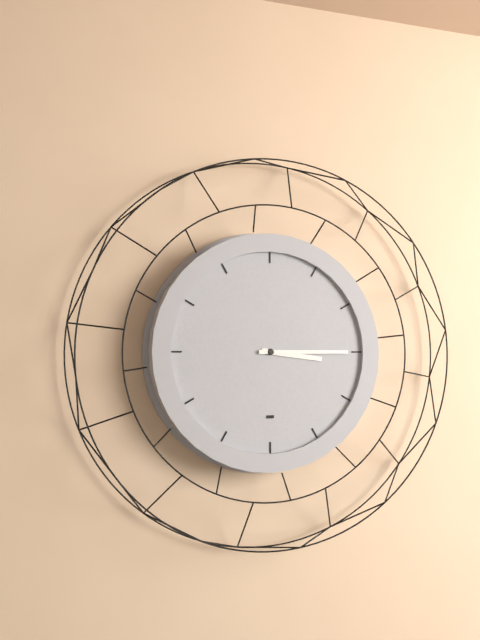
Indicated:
3:15
